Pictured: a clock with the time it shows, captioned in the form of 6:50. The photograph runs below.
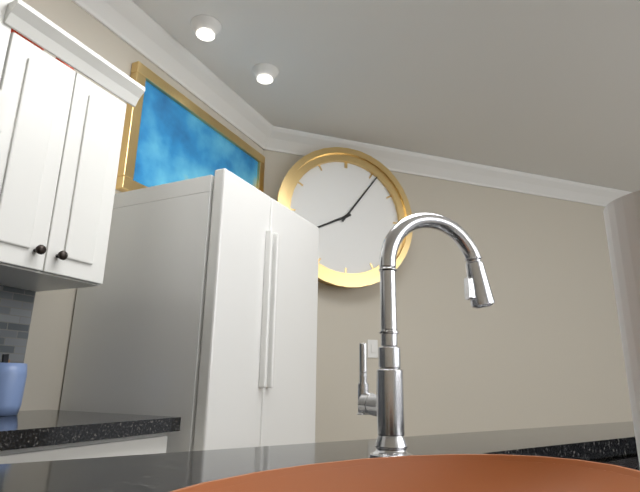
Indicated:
8:06
